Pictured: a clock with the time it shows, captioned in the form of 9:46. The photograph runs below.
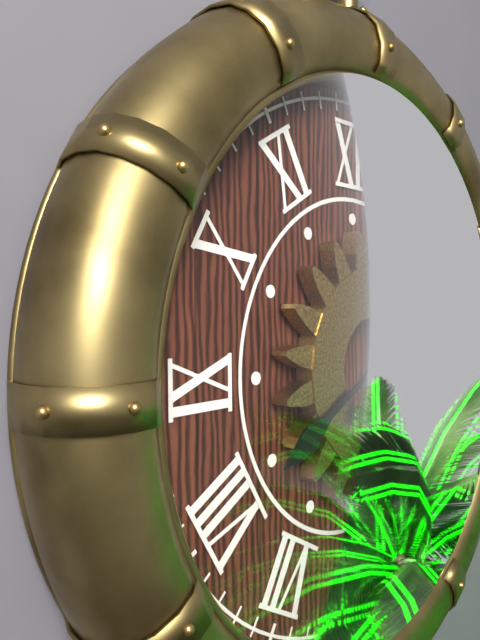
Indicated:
8:05
